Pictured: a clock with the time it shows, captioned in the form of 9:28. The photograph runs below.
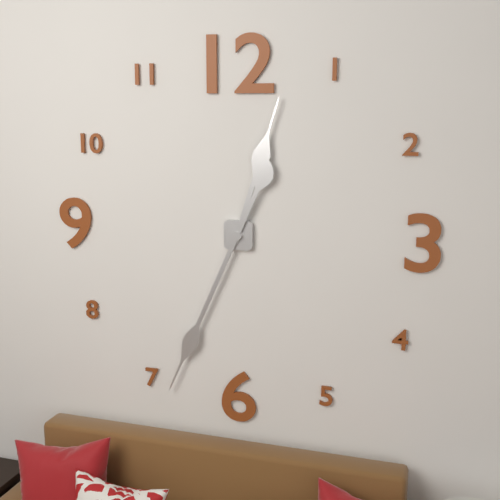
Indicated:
12:34
